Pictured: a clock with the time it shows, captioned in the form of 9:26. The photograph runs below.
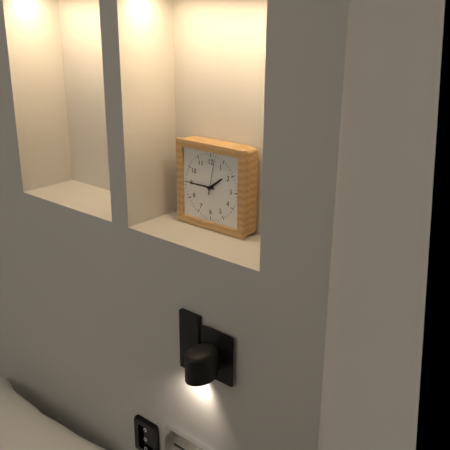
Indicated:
1:45
